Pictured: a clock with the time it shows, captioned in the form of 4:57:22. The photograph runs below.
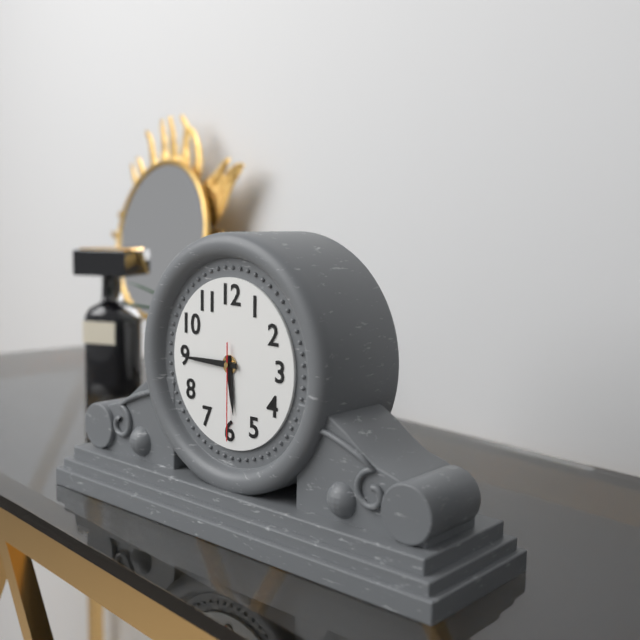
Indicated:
5:45:30
